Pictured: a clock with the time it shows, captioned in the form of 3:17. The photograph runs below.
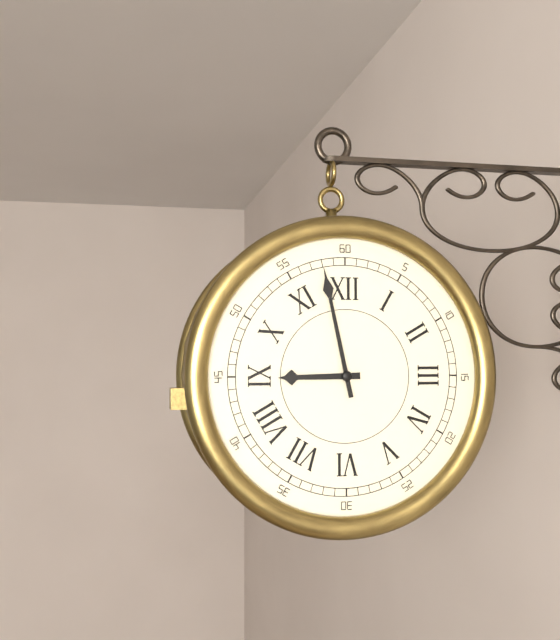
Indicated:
8:58
